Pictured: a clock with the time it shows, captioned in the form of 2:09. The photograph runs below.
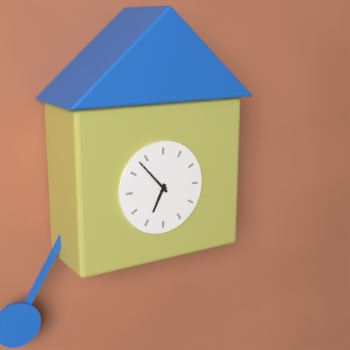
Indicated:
6:53
